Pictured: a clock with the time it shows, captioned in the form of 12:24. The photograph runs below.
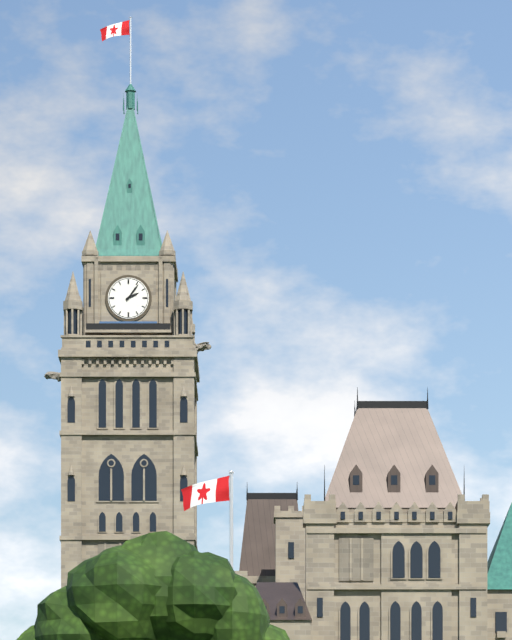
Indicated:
2:06
